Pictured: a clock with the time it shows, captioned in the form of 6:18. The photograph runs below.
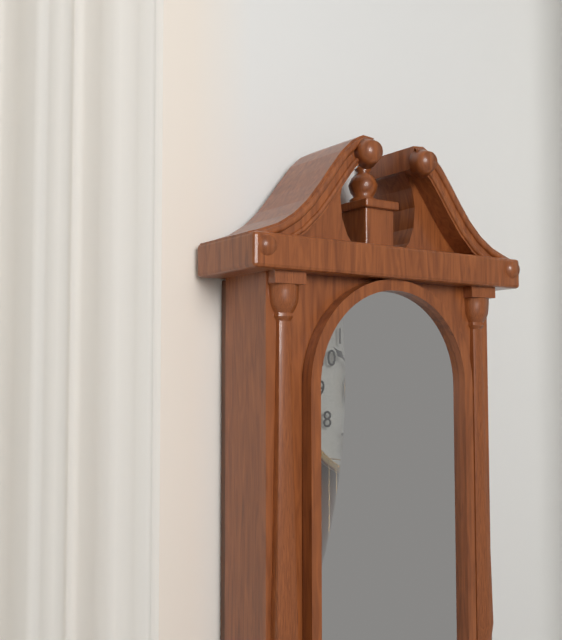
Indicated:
11:52
